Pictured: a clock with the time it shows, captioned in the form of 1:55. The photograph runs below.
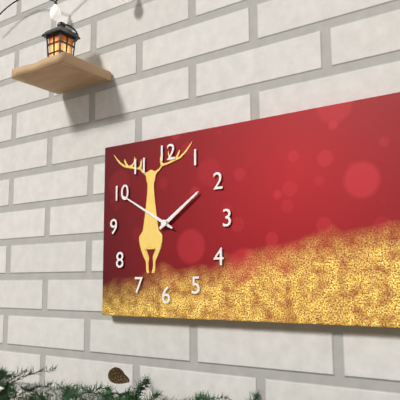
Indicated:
1:50
